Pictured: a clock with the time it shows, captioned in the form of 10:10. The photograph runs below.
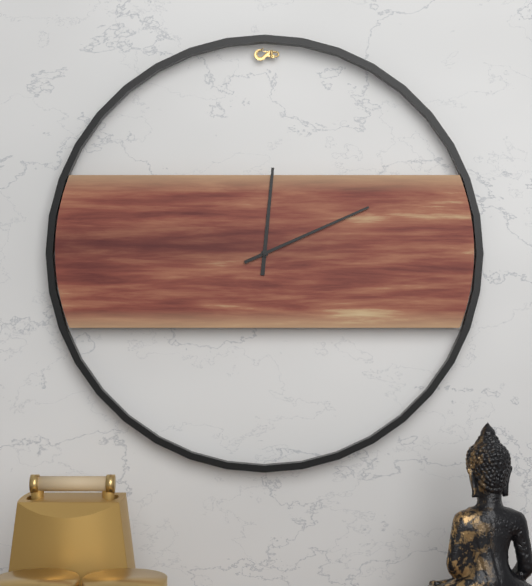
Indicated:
12:11
